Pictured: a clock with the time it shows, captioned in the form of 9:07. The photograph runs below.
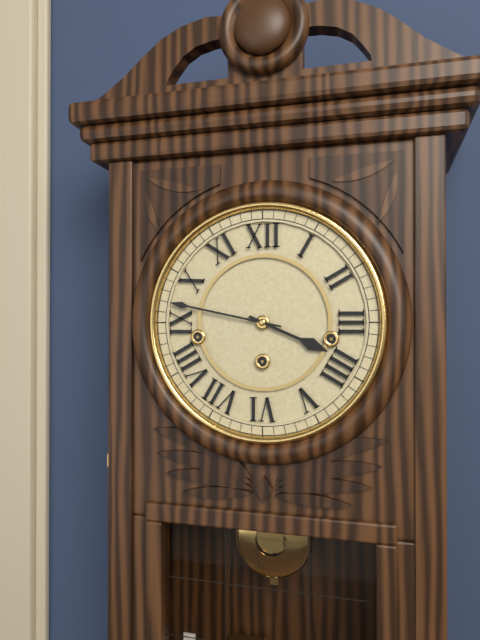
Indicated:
3:47
